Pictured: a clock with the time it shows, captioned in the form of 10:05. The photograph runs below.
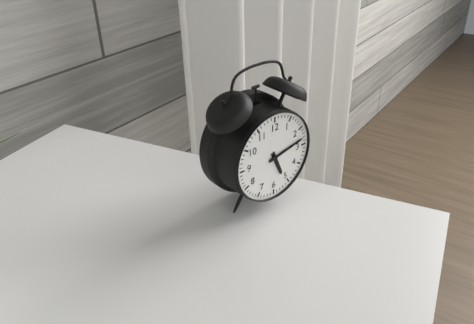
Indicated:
5:13
